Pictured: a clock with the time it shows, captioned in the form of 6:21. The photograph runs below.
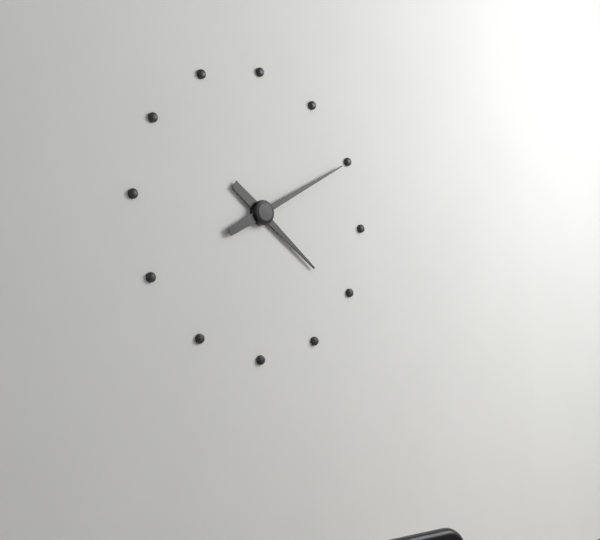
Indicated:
4:10
